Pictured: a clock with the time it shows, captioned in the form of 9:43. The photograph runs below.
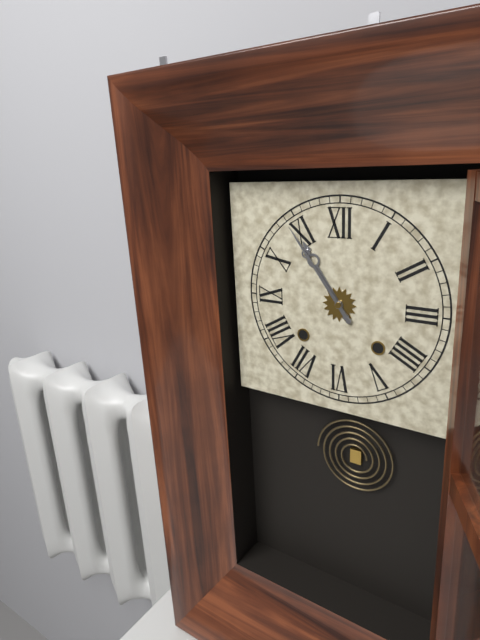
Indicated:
10:54
